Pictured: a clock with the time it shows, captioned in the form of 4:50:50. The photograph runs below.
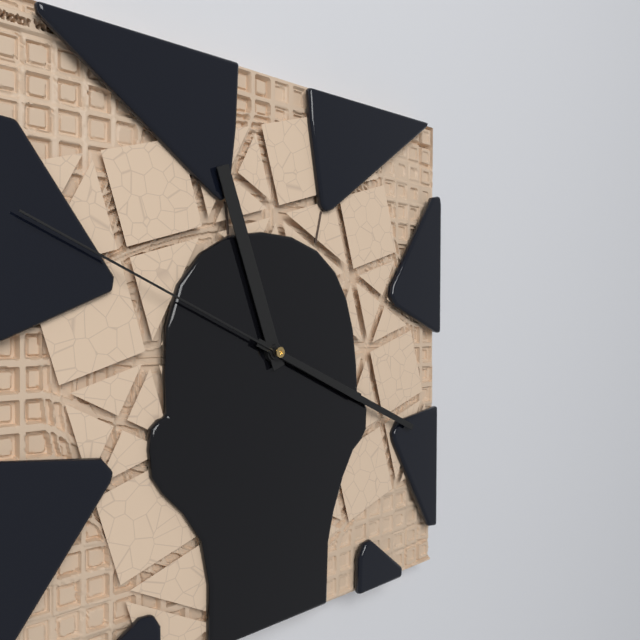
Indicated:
11:19:49
